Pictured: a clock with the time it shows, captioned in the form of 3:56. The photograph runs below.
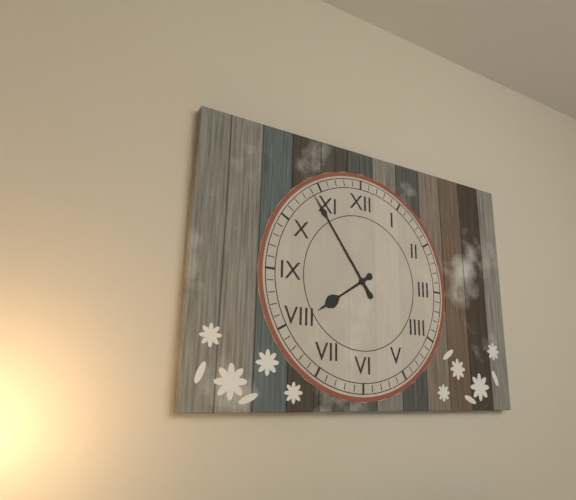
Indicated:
7:54
